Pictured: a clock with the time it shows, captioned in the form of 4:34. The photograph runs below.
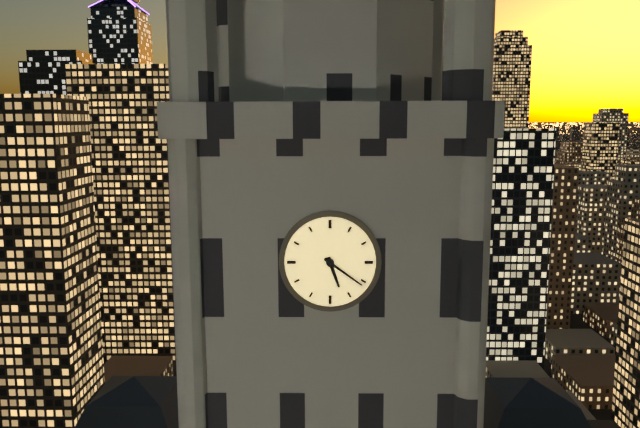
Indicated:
5:21
